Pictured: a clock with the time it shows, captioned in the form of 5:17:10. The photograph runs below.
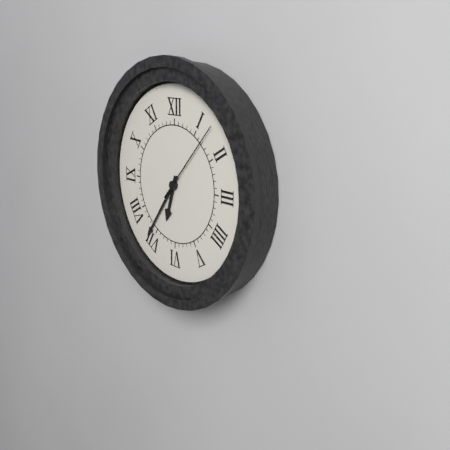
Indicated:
6:36:07
